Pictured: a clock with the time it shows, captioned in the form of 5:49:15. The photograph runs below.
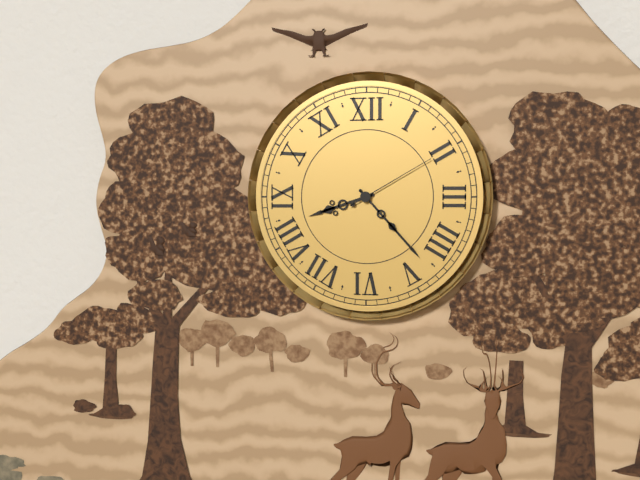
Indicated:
8:23:10
